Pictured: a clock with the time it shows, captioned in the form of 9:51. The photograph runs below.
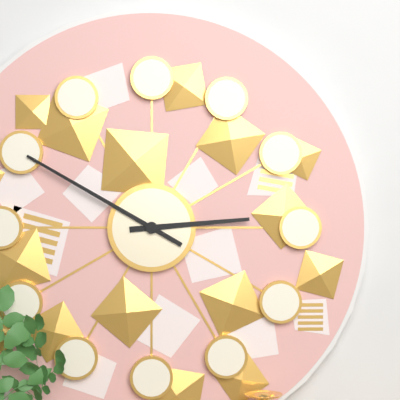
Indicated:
2:50
